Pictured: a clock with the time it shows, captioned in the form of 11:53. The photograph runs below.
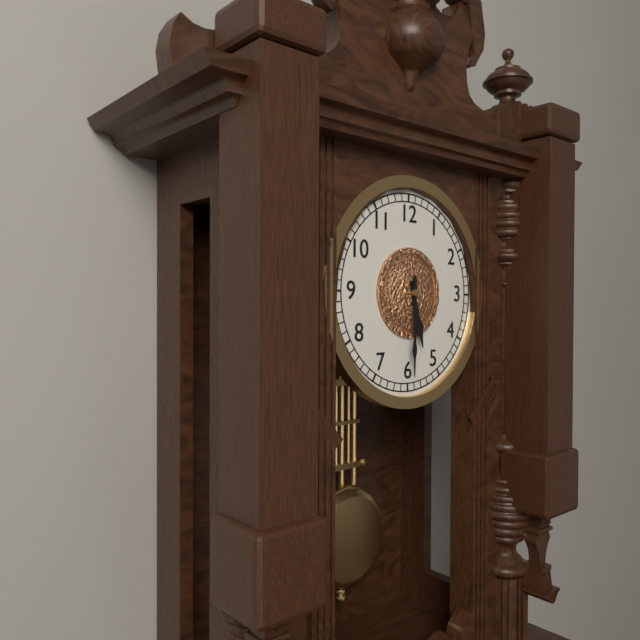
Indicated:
5:30
